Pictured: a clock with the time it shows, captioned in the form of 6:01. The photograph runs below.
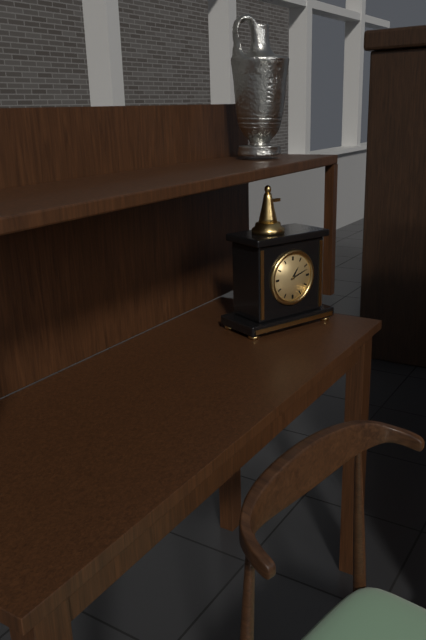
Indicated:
1:12
